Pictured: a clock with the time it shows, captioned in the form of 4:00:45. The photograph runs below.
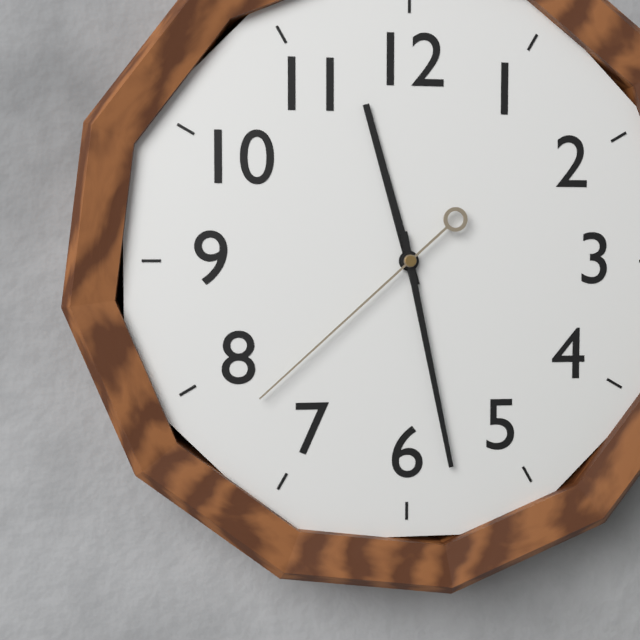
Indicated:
11:28:38
